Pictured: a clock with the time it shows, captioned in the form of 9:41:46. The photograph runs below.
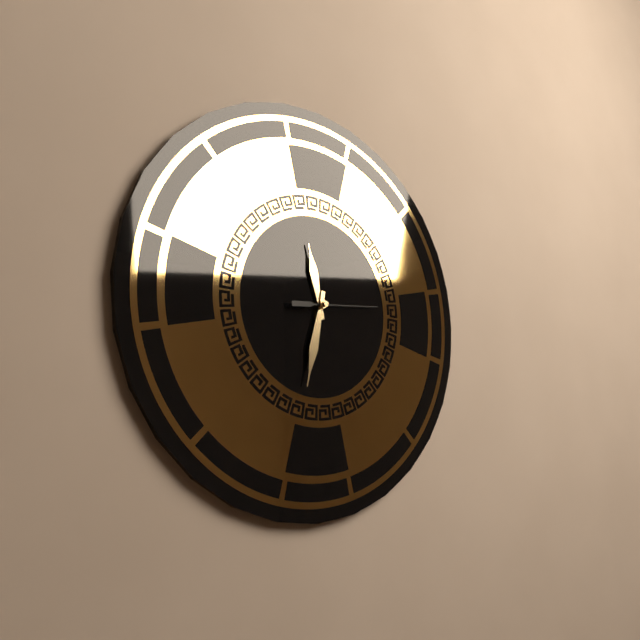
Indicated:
11:32:14
